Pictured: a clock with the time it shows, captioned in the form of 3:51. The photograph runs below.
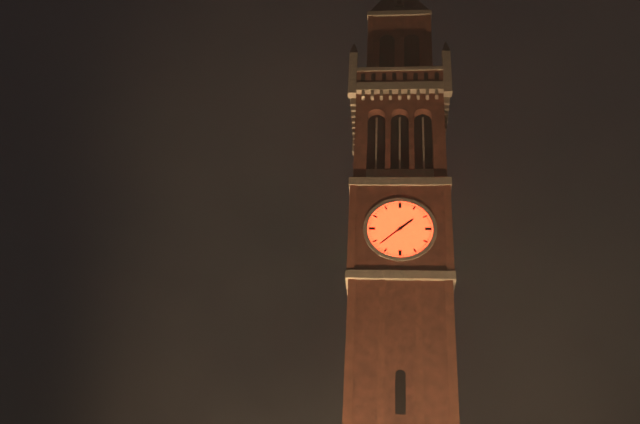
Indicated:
1:38
